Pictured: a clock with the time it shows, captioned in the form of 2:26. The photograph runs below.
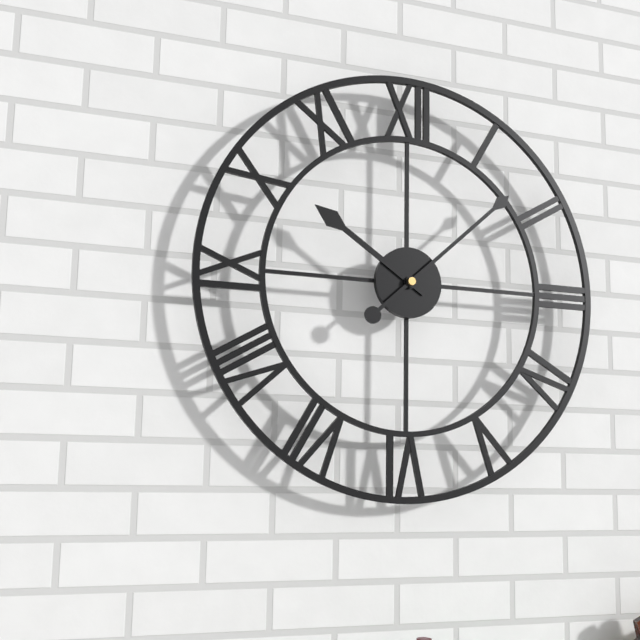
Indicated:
10:08
